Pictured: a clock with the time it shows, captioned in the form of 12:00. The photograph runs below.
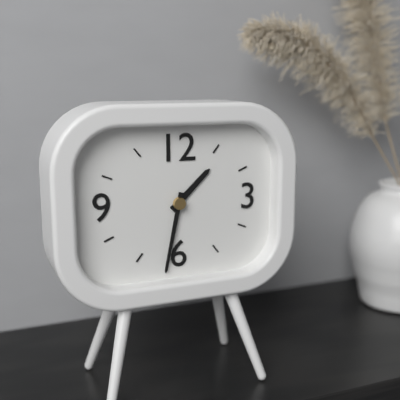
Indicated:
1:32
